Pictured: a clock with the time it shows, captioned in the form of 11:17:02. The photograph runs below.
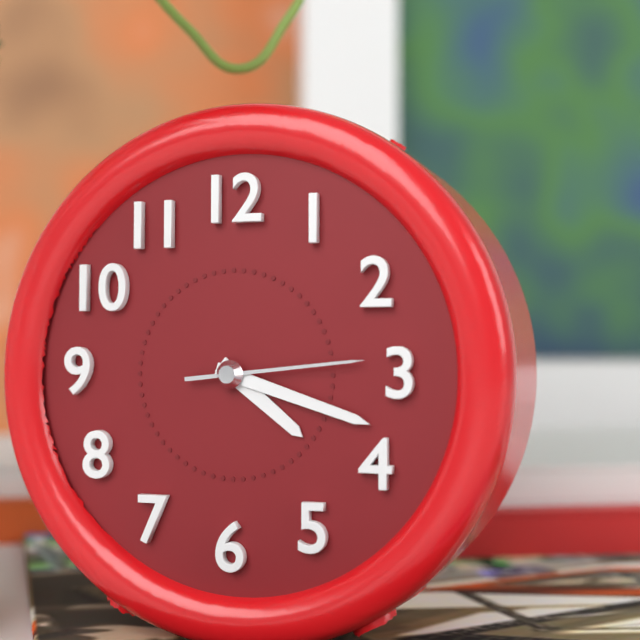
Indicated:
4:18:14
